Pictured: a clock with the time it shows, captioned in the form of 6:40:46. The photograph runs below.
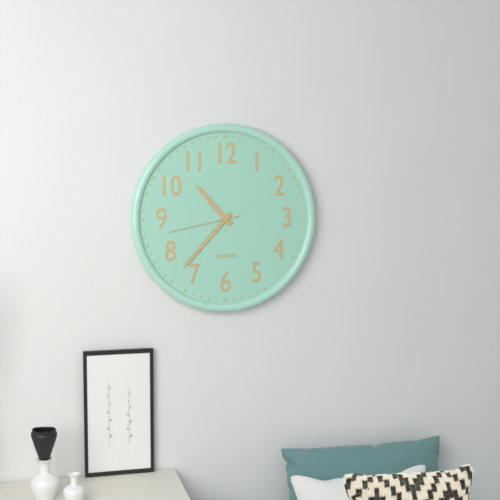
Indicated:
10:37:43
